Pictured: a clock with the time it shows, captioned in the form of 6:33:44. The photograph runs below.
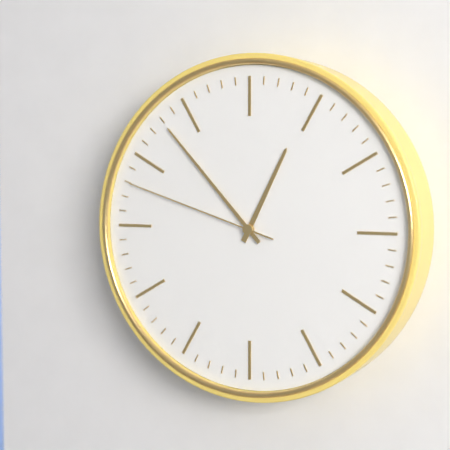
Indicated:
12:53:48
